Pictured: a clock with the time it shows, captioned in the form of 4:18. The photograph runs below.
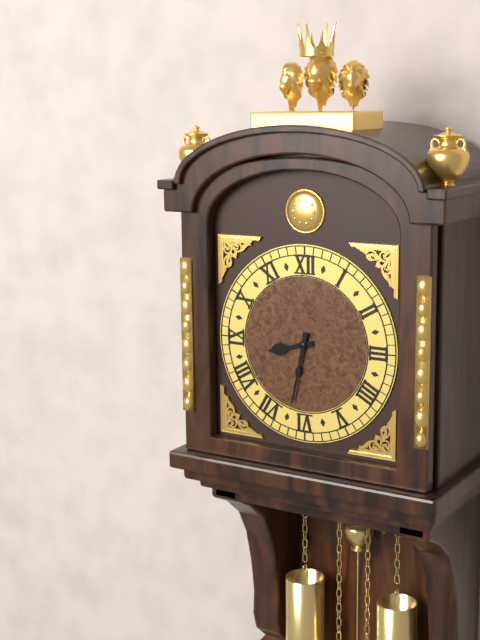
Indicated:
8:32
